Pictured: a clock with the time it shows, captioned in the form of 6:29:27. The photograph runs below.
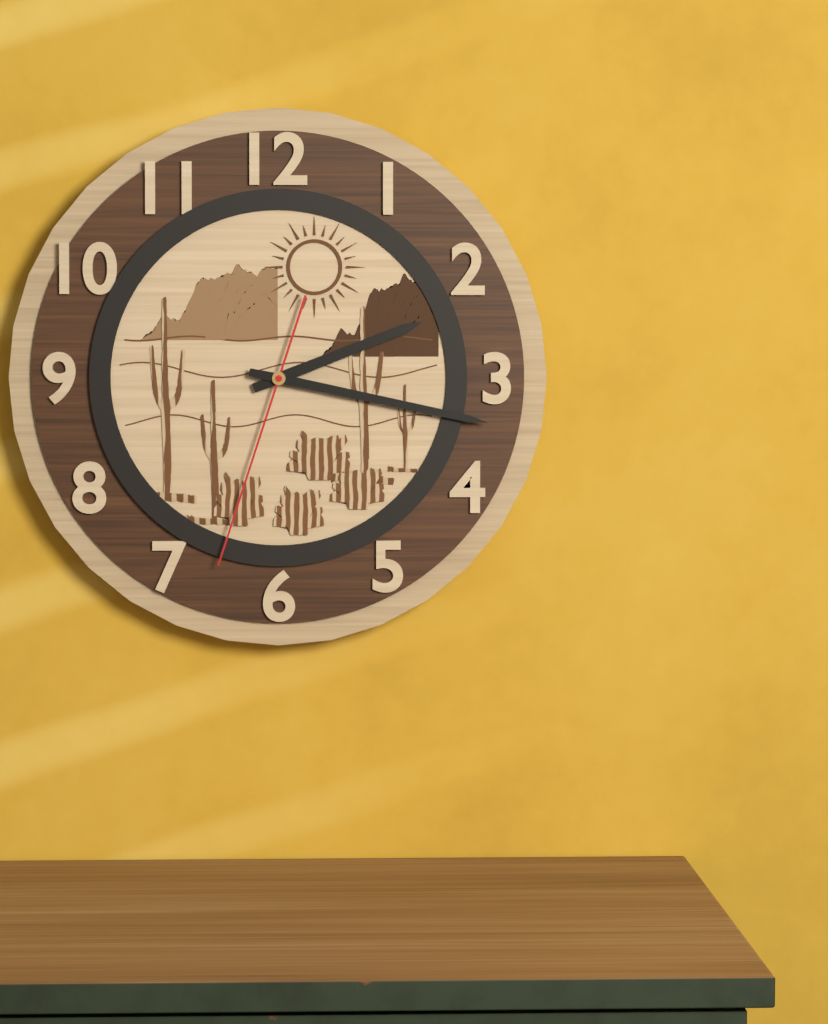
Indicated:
2:17:33
